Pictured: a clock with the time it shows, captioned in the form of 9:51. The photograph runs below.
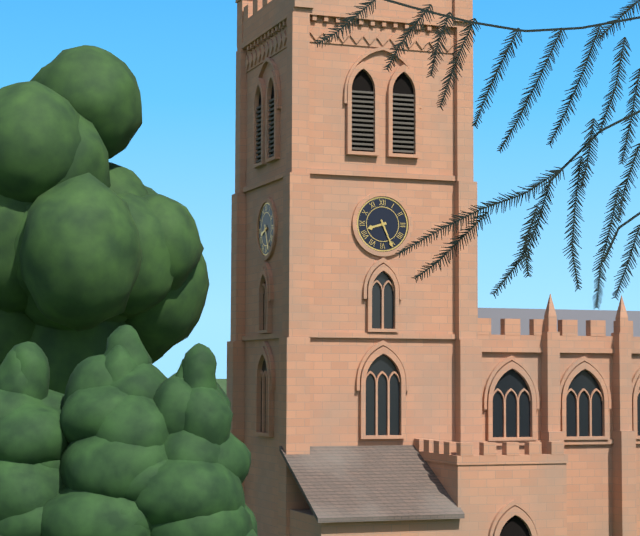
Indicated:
8:26
